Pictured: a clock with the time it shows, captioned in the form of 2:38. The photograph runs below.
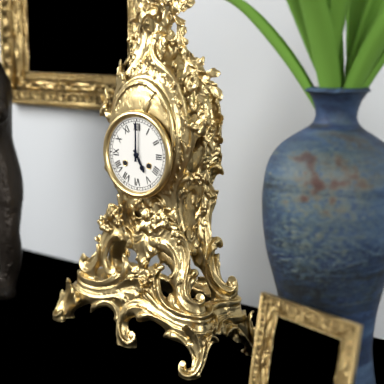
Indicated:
5:00
